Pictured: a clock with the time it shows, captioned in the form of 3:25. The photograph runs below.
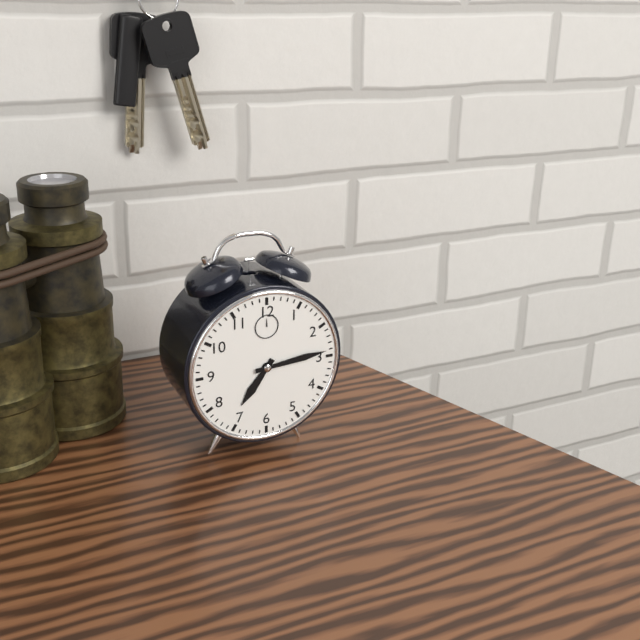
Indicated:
7:14
